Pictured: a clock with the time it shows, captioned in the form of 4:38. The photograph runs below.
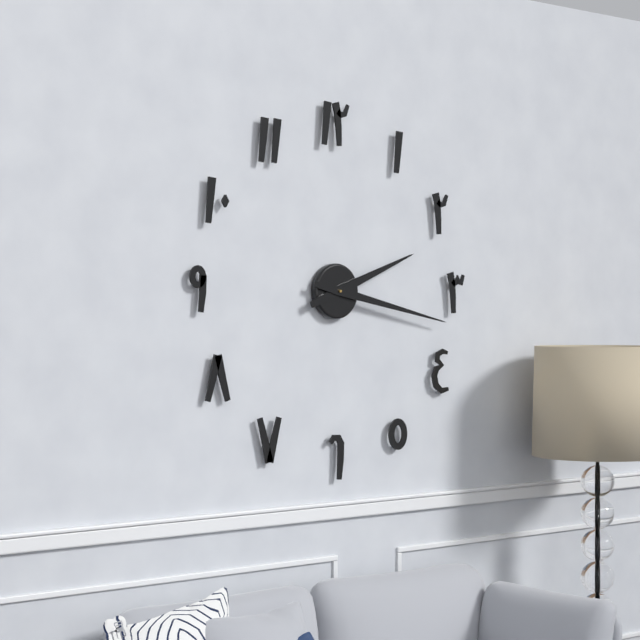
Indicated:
2:17
